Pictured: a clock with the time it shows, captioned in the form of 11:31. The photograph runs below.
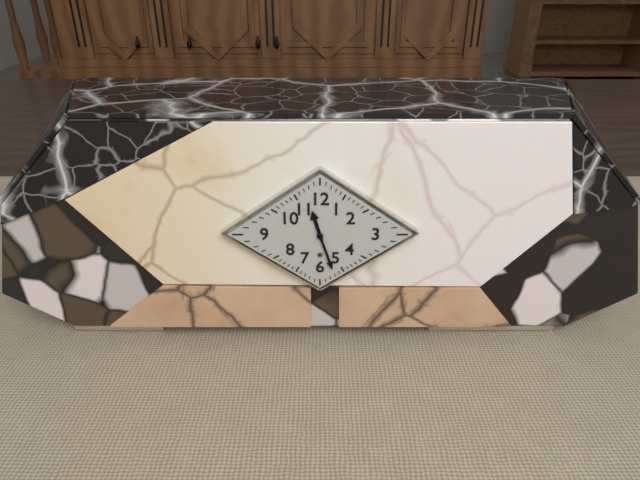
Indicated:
11:27
